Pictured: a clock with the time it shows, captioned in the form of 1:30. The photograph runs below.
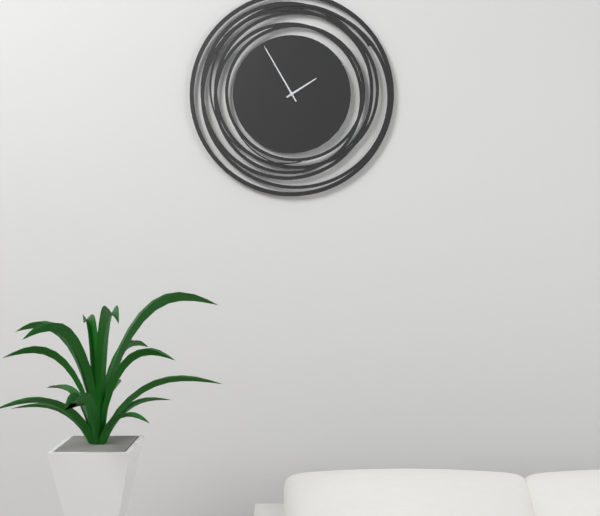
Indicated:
1:55
